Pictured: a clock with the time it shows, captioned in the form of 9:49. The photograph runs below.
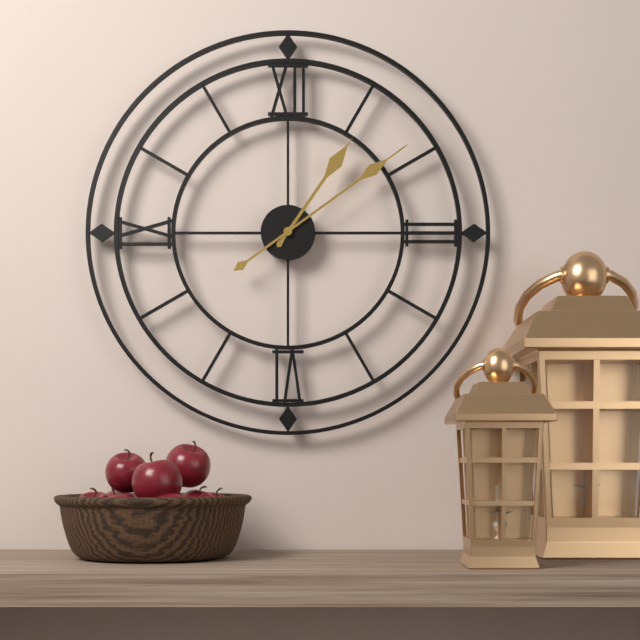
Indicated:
1:09
